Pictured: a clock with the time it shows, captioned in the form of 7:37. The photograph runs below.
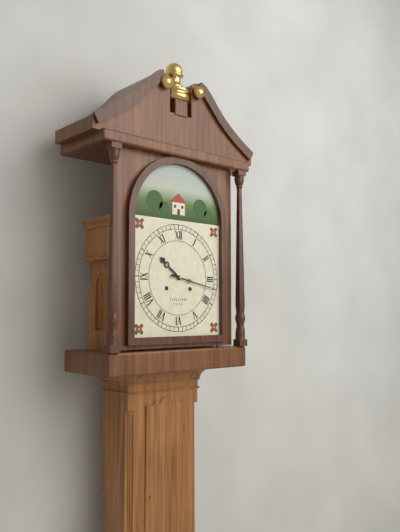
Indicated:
10:17
